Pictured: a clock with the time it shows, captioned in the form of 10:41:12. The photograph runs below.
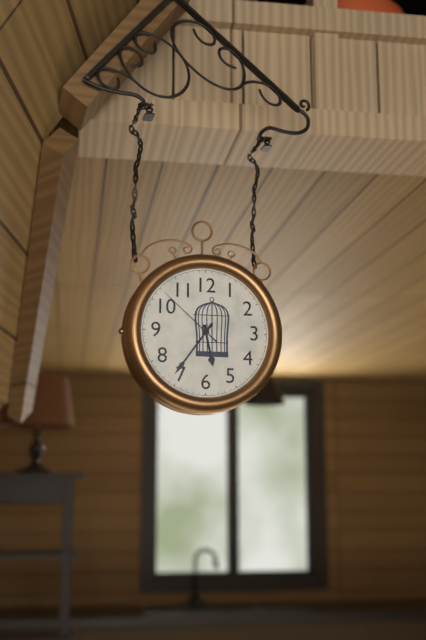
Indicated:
5:36:52
